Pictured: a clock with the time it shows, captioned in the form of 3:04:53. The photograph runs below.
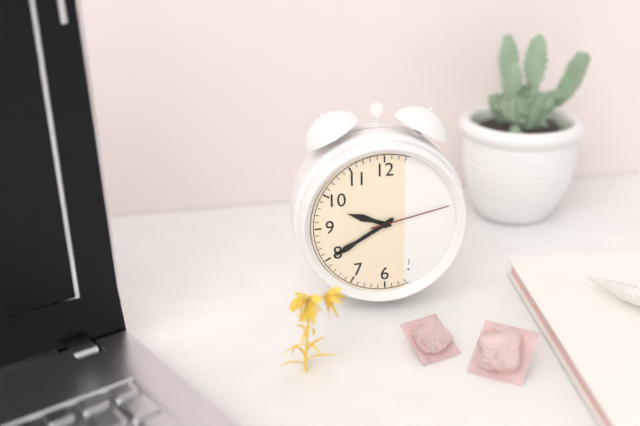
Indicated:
9:40:13
